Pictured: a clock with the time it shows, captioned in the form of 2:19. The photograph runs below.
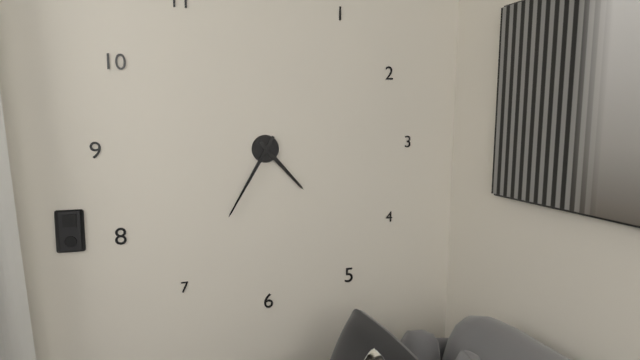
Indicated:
4:35
